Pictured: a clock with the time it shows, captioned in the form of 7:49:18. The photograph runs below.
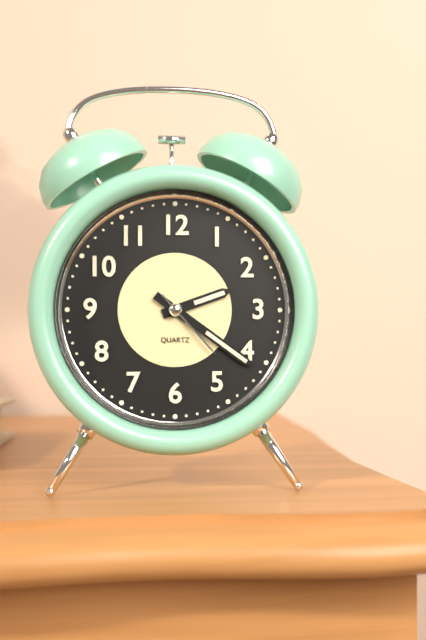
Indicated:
2:21:23
